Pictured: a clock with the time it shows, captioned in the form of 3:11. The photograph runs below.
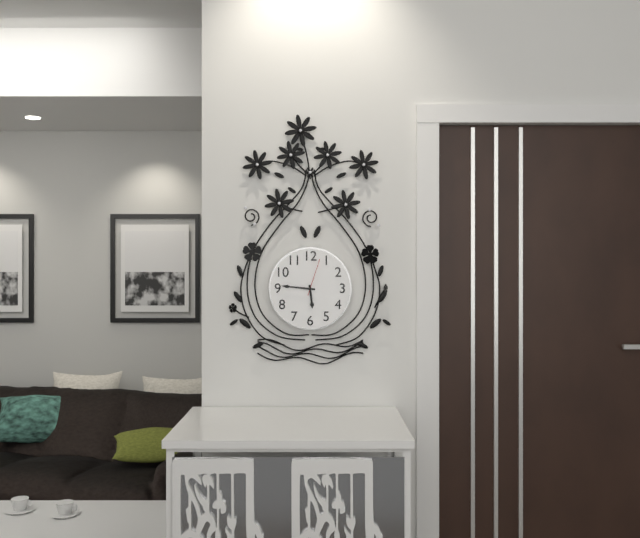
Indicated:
5:46
